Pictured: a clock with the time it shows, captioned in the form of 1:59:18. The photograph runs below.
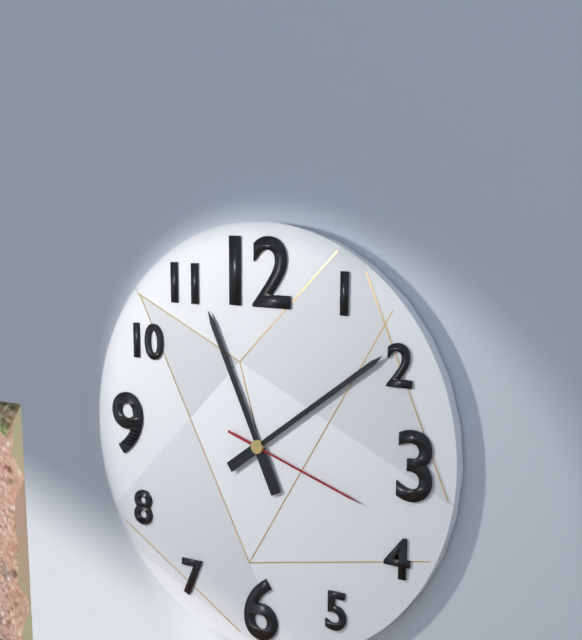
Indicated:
11:09:18
